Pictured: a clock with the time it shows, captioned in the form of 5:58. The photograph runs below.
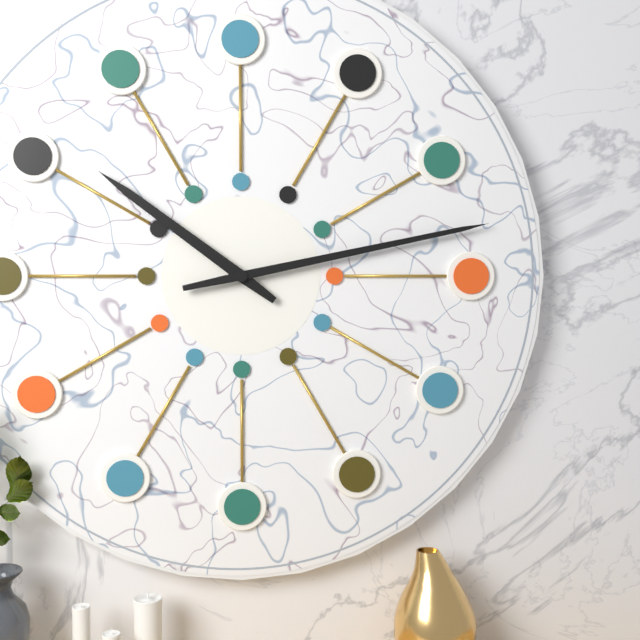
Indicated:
10:13
